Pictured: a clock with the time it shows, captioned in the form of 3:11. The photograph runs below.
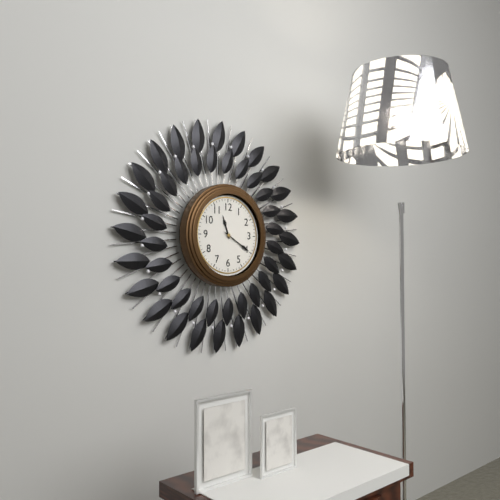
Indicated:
11:20
